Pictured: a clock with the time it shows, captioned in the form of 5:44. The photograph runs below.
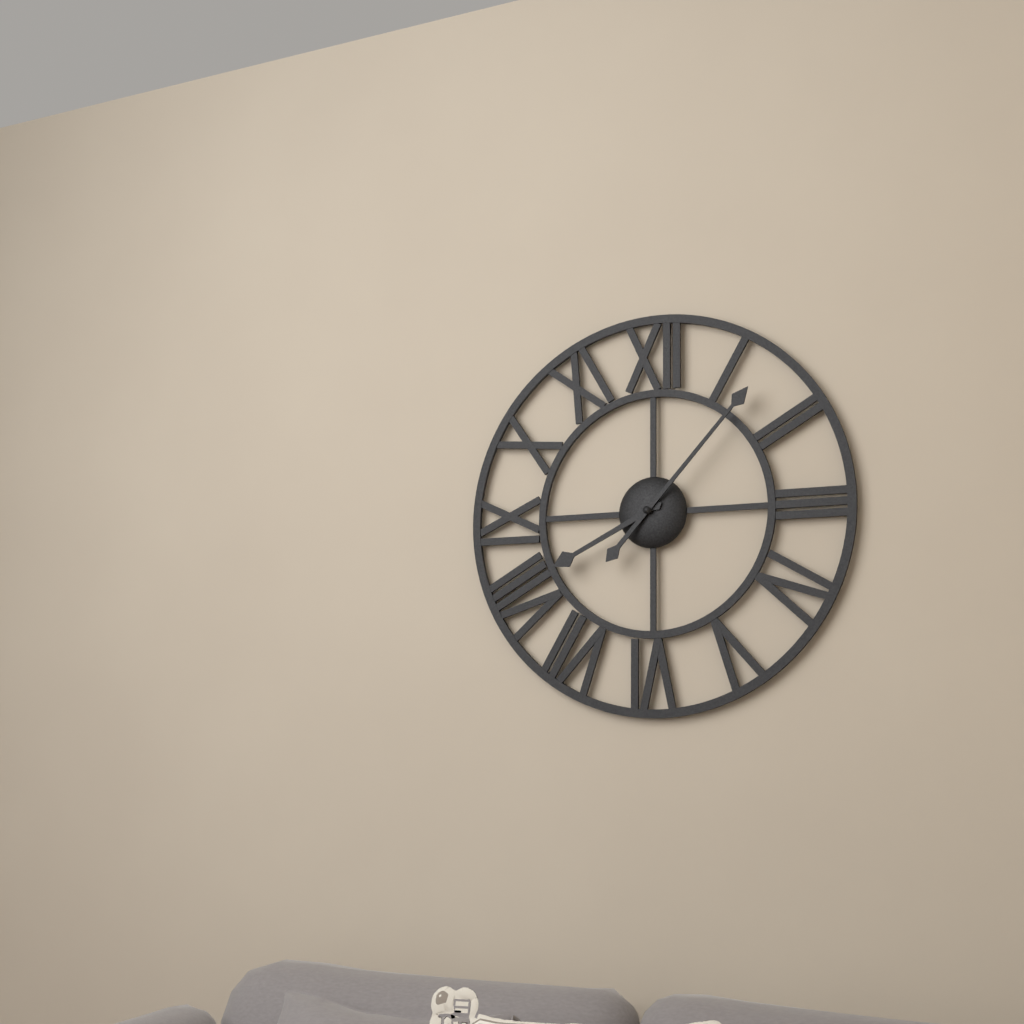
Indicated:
8:07
